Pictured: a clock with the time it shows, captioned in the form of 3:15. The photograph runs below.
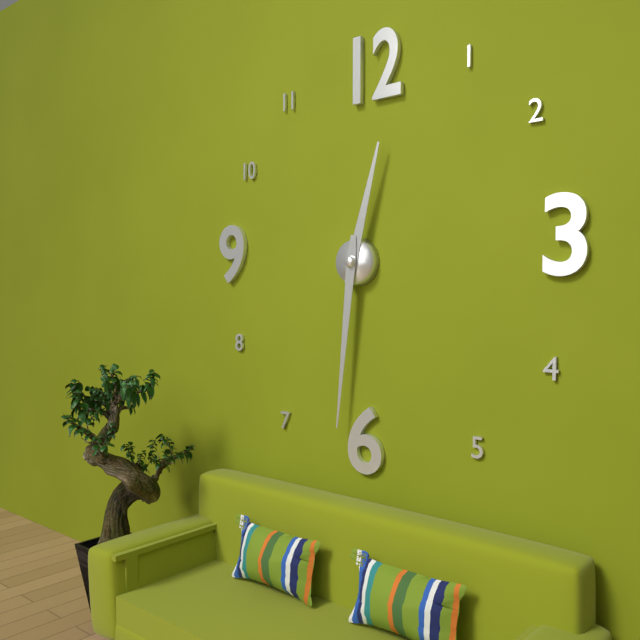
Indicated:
12:31
